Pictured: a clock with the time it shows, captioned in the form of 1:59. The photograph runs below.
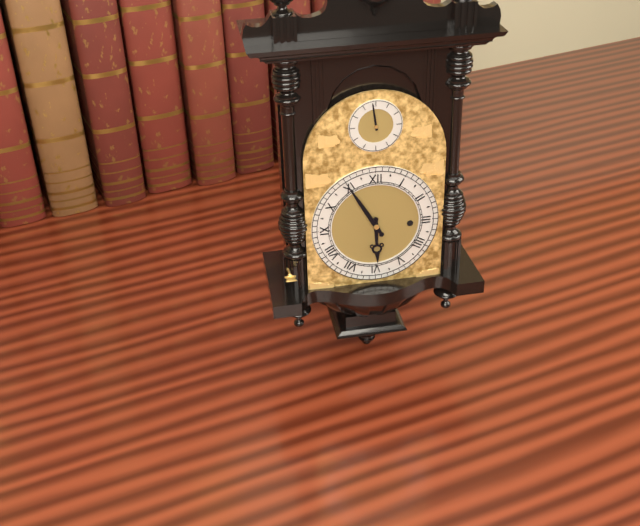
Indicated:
5:55
